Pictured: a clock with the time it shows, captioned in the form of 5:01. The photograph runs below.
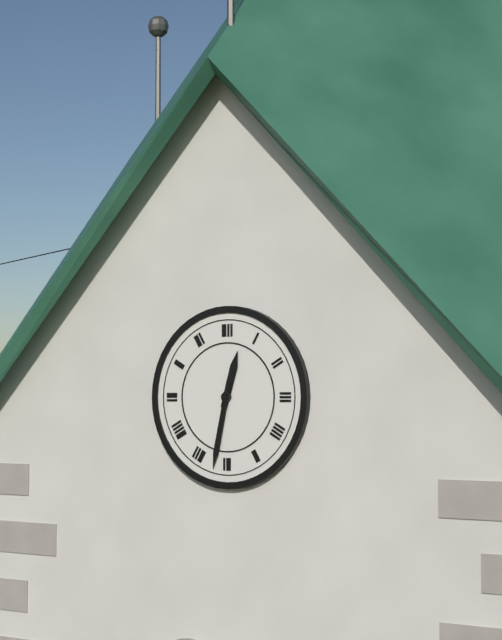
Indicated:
12:32
